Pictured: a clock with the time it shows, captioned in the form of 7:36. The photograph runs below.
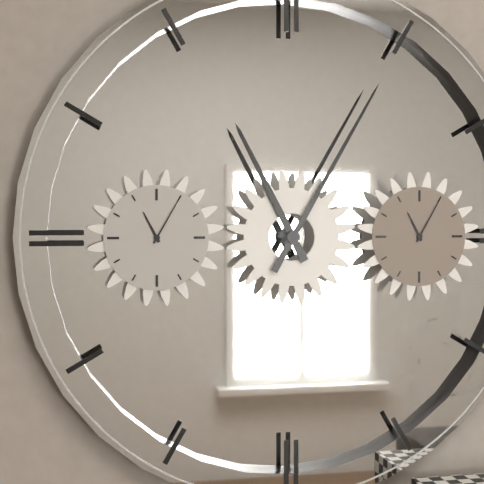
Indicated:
11:05
